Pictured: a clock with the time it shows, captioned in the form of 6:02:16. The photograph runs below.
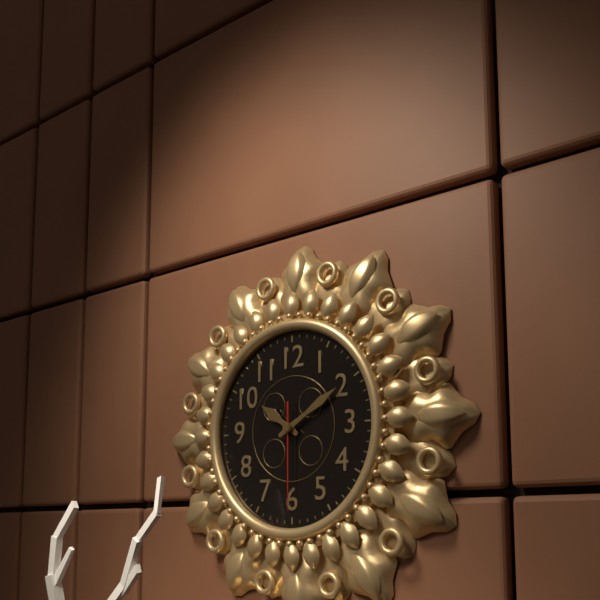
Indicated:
10:10:30
